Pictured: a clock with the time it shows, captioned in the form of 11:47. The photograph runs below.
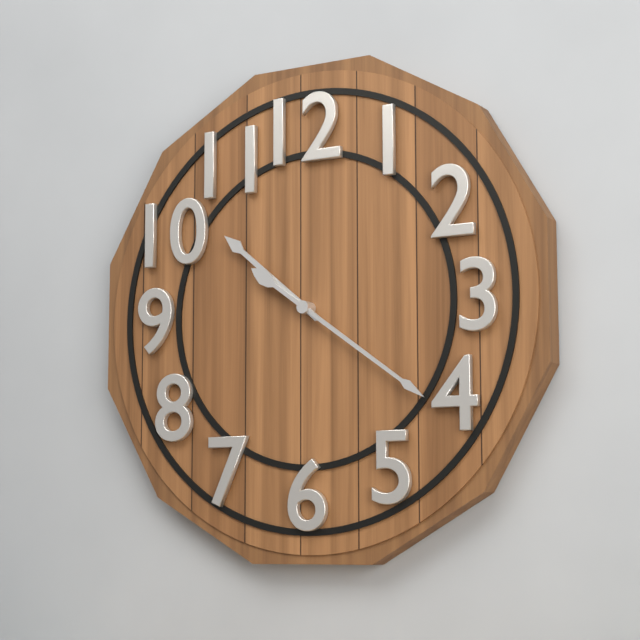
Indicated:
10:21
